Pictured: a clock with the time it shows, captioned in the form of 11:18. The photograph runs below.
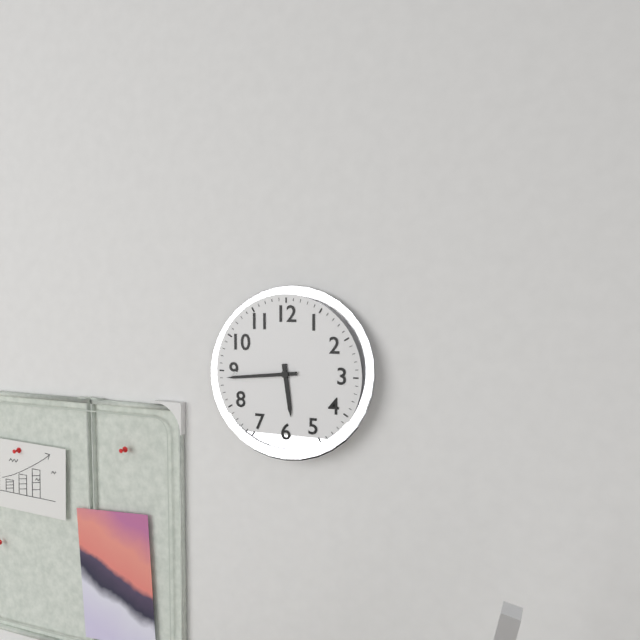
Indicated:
5:44
